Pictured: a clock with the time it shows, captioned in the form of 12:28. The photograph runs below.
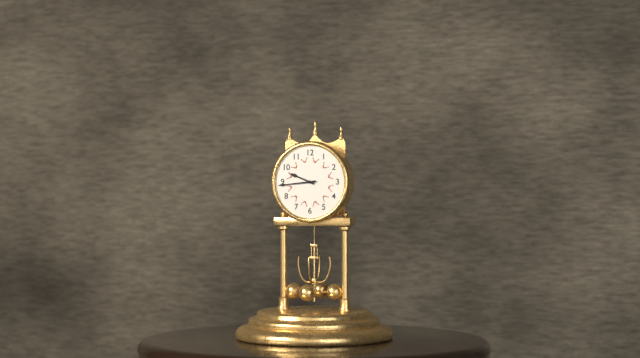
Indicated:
9:44
